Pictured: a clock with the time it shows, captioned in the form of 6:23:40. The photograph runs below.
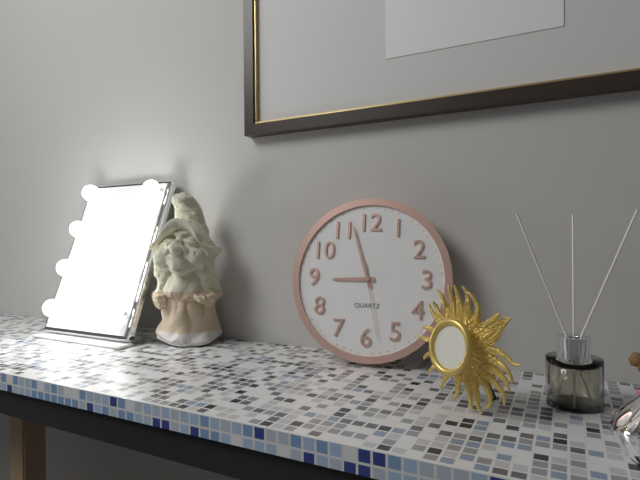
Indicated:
8:57:28
